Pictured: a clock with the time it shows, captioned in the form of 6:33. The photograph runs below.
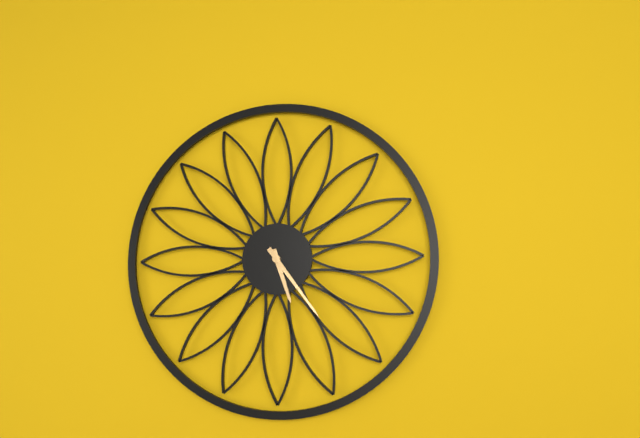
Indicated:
5:24
